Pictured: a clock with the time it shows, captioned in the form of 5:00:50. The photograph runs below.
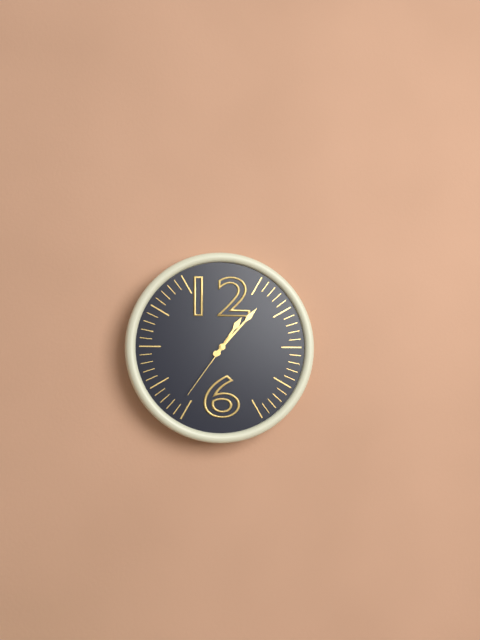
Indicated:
1:07:36
